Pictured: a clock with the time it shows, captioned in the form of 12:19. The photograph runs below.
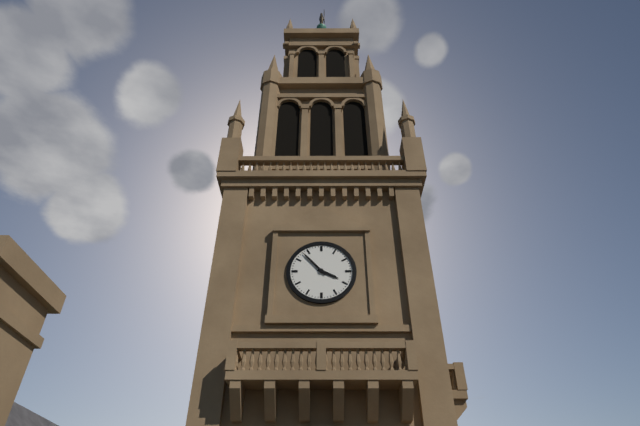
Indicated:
3:53
